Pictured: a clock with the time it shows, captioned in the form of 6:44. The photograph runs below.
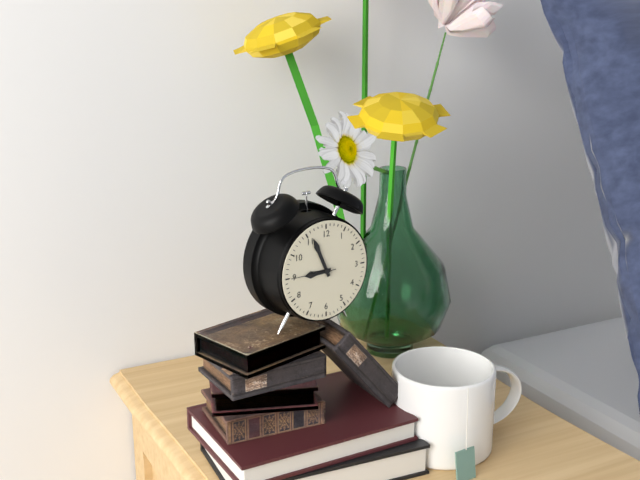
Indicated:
8:56
